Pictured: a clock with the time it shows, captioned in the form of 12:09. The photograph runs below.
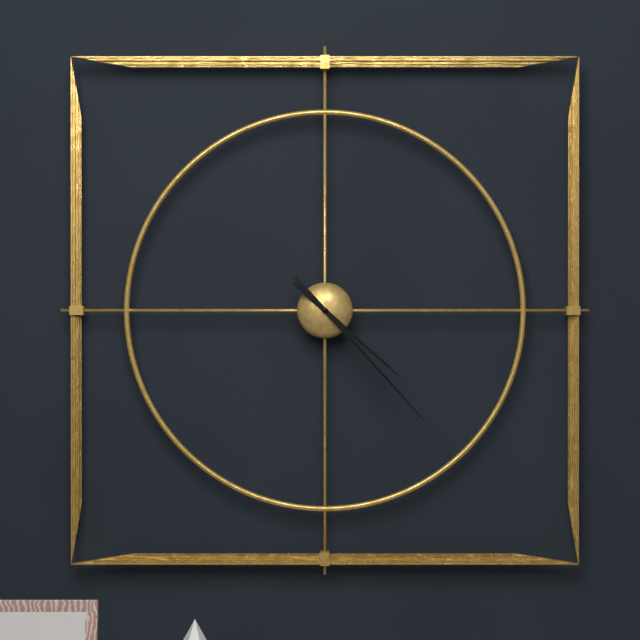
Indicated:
4:23
